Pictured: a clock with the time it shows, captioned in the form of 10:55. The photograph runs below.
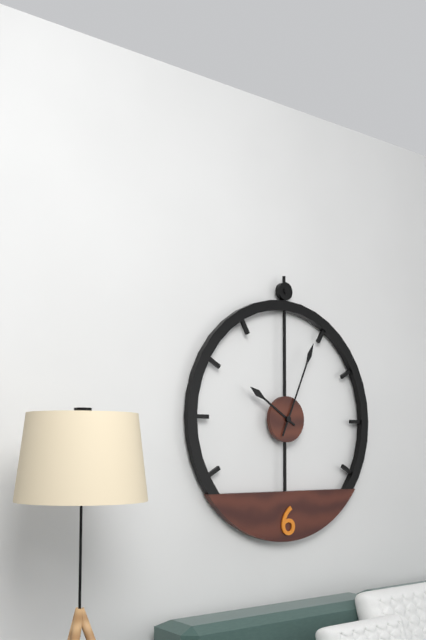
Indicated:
10:04
